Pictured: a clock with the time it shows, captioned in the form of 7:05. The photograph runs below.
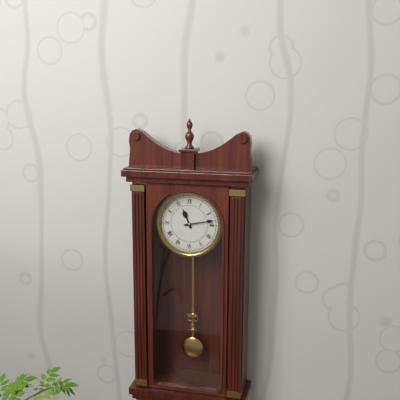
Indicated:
11:13
